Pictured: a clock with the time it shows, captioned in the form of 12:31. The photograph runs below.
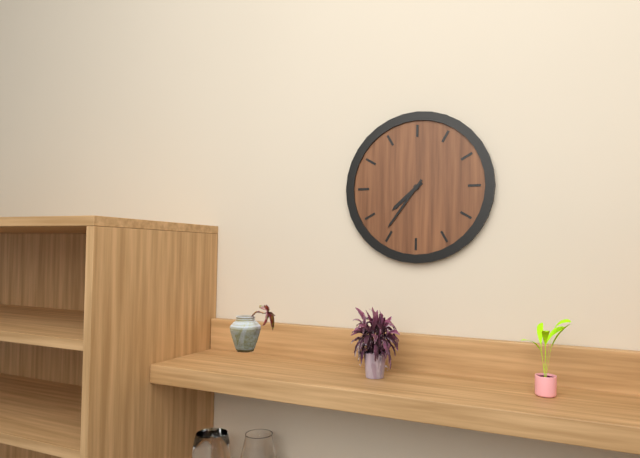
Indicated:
7:36
